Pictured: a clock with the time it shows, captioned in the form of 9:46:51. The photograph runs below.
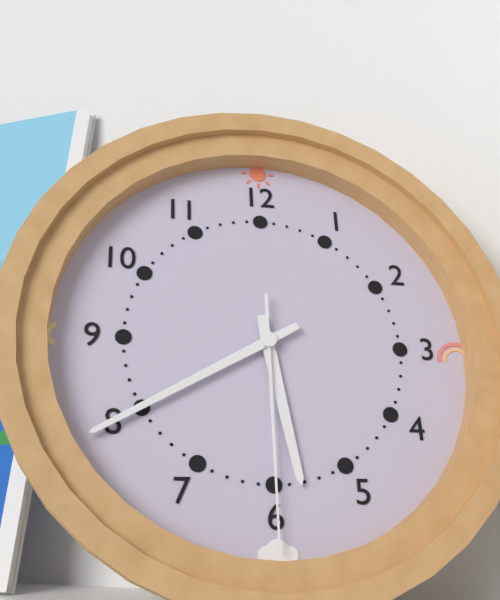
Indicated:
5:40:30
